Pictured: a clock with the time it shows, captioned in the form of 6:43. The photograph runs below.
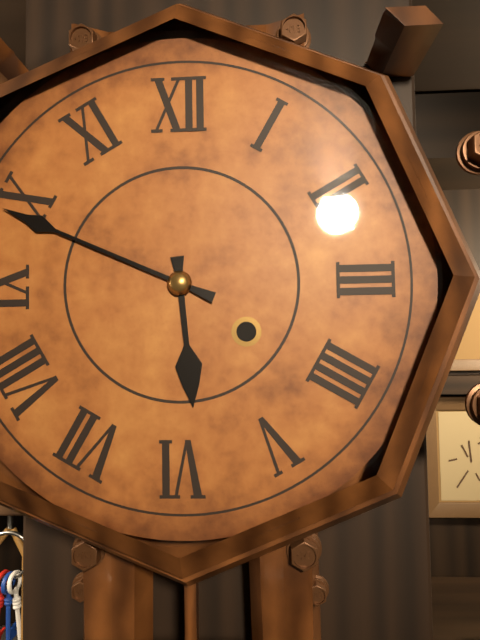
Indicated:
5:49
